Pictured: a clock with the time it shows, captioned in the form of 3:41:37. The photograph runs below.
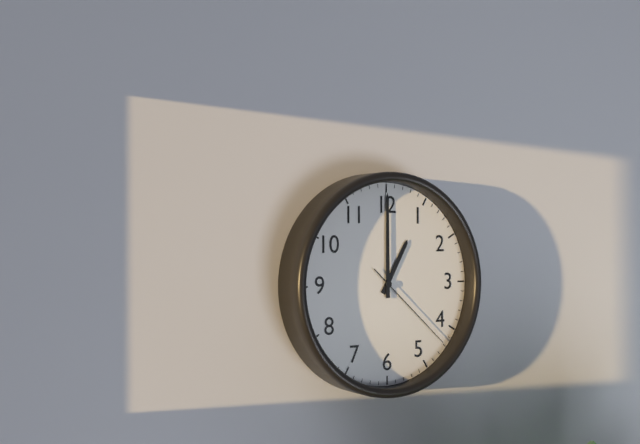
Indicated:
1:00:22
